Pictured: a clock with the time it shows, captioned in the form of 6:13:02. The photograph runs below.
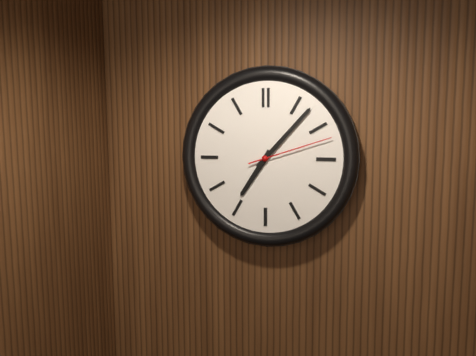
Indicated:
7:07:12
